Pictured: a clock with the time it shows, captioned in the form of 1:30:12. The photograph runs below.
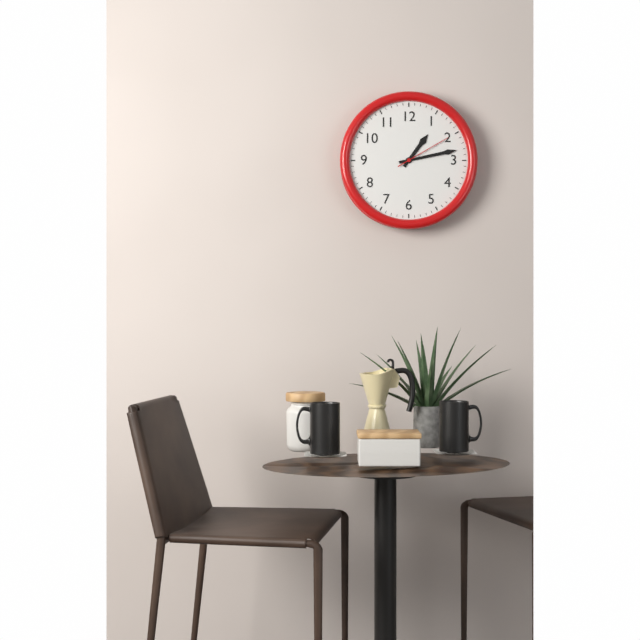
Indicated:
1:13:10
